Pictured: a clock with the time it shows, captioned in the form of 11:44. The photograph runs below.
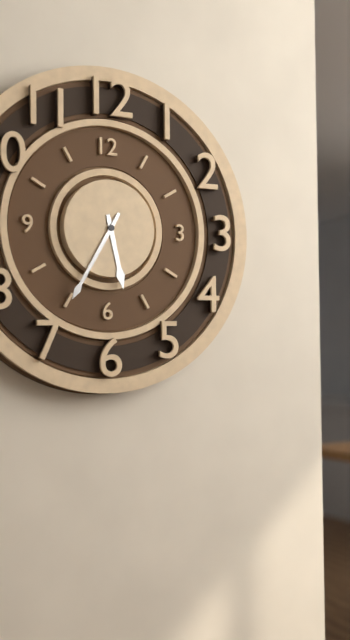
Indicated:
5:35
